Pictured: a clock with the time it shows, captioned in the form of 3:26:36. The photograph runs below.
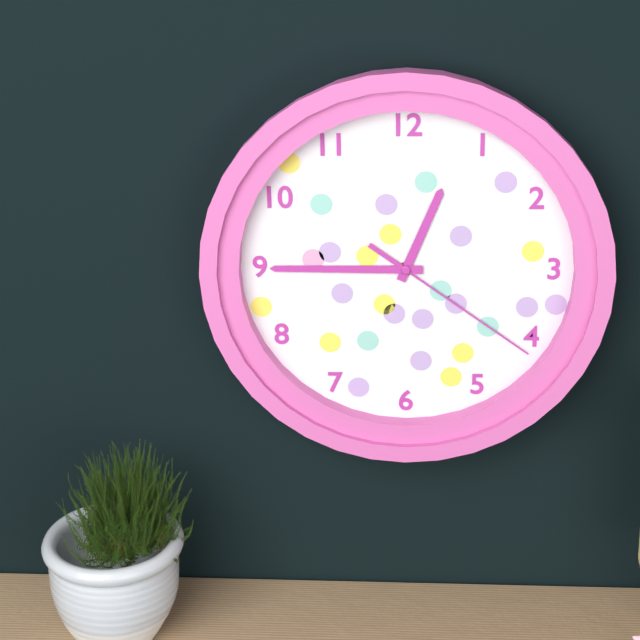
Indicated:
12:45:21
